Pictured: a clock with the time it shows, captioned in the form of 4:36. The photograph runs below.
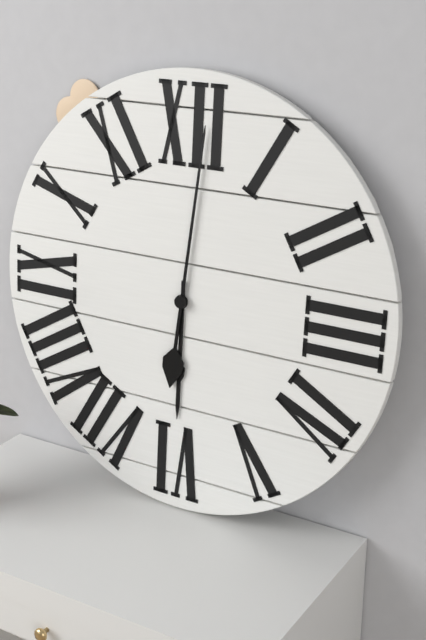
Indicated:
6:01
